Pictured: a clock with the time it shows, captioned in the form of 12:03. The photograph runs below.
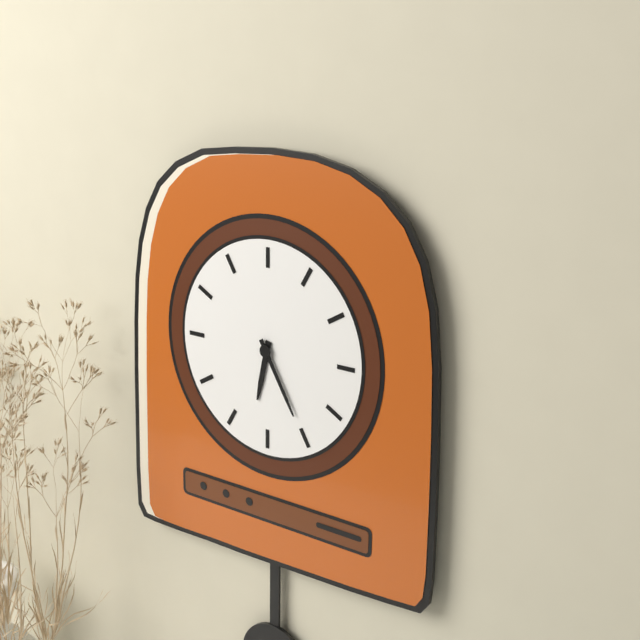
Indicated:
6:25
